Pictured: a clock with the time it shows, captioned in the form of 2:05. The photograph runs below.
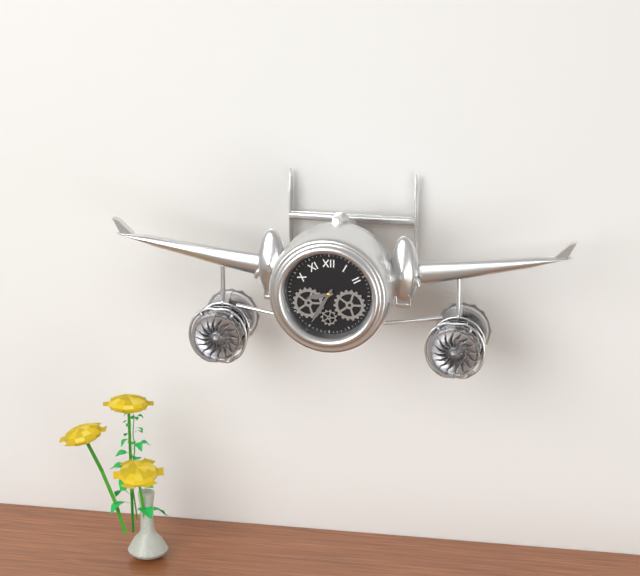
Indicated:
8:35
